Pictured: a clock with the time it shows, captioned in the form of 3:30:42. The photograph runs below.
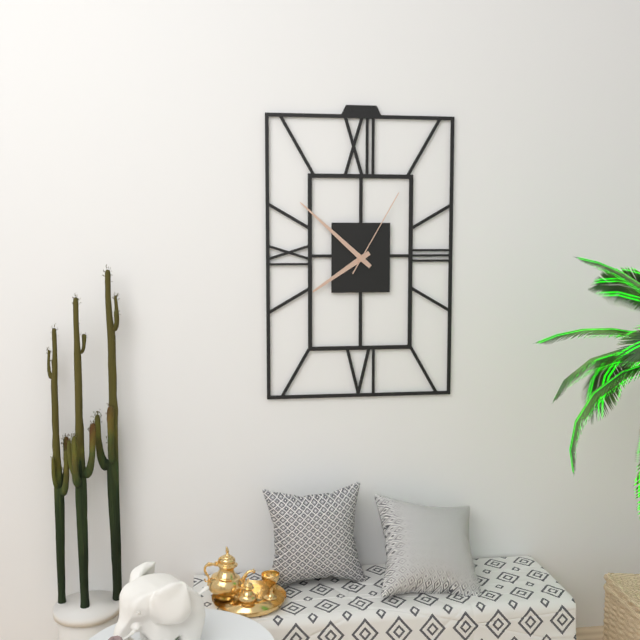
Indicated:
7:52:05
